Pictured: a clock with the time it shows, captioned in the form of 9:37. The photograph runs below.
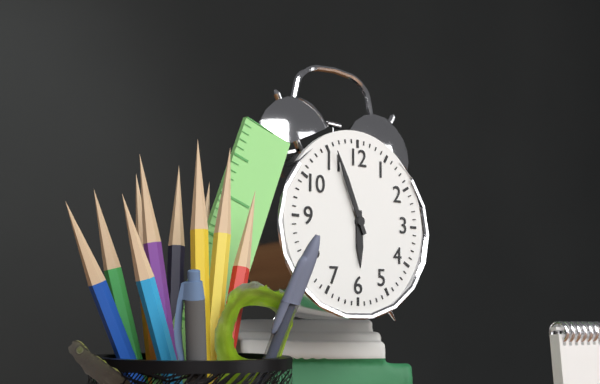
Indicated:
5:56
